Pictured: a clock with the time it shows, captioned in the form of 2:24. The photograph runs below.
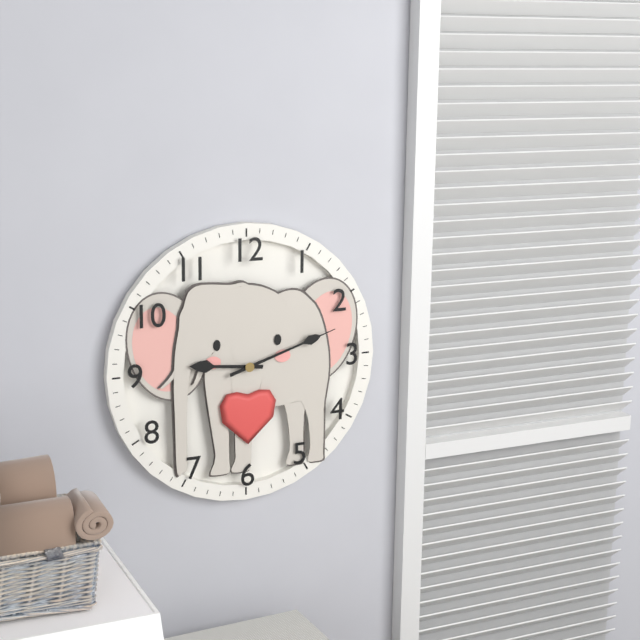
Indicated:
9:12
